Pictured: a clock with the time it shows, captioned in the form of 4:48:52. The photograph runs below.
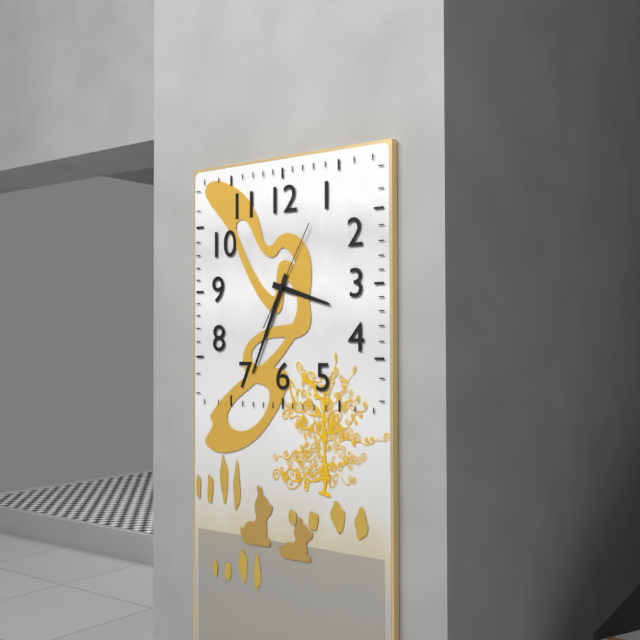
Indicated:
3:34:05
